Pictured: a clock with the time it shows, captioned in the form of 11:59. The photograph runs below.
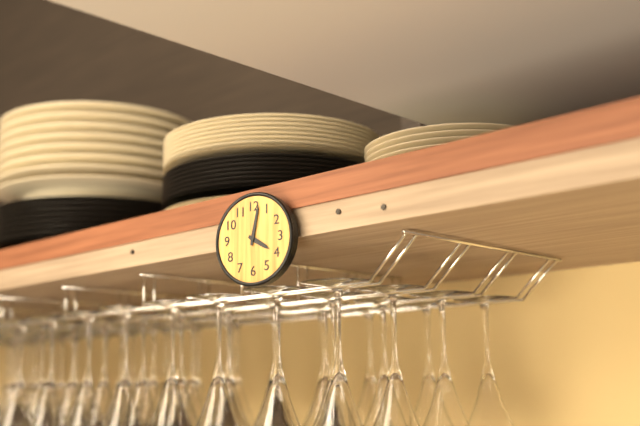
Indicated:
4:02
